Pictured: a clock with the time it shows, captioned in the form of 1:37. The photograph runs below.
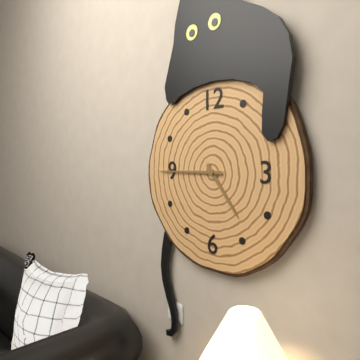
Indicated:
4:45
